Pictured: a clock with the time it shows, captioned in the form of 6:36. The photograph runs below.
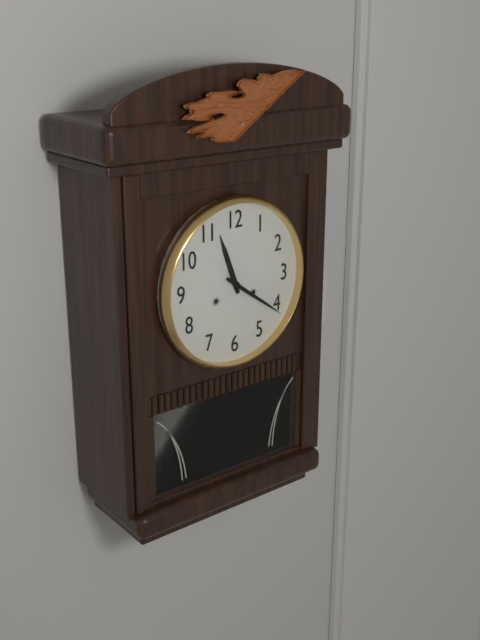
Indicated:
11:21
